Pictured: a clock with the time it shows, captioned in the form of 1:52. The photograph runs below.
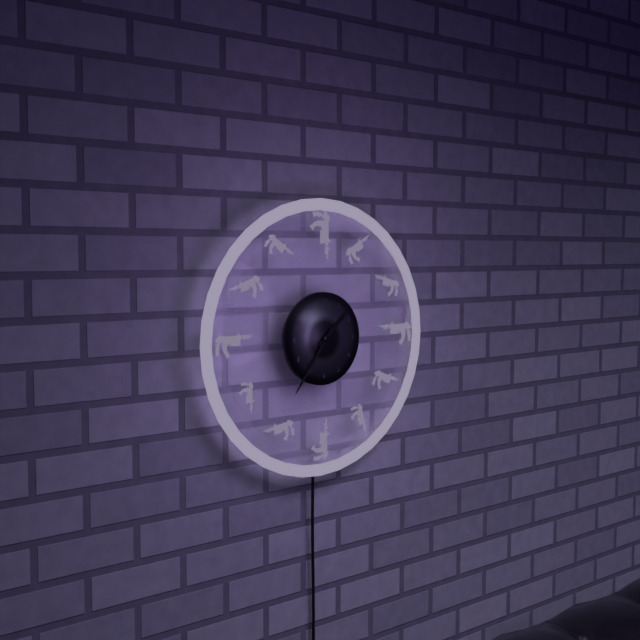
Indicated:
1:36
